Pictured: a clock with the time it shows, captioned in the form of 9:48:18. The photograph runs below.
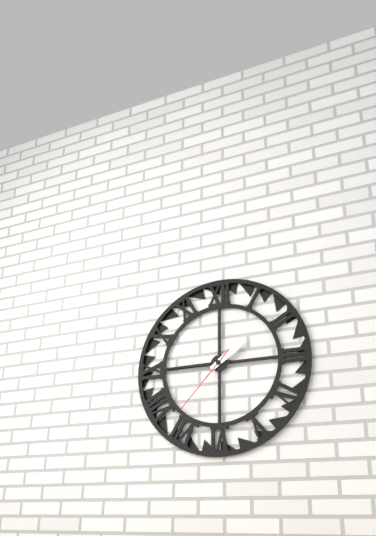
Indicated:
1:45:37
